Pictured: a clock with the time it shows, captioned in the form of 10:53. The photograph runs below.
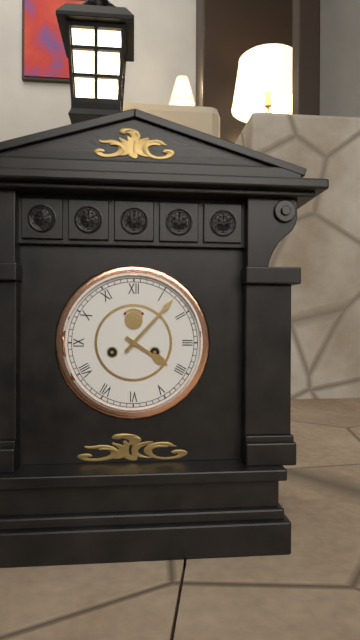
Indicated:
4:07
